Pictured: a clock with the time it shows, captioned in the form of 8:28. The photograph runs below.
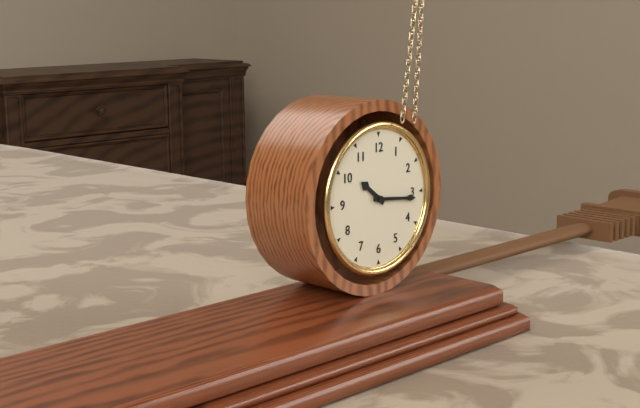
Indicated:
10:16
